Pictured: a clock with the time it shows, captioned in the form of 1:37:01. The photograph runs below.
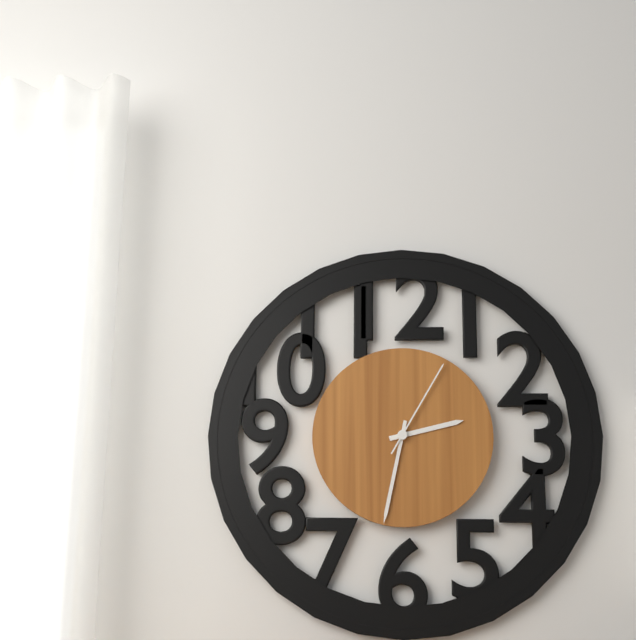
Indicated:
2:32:05
